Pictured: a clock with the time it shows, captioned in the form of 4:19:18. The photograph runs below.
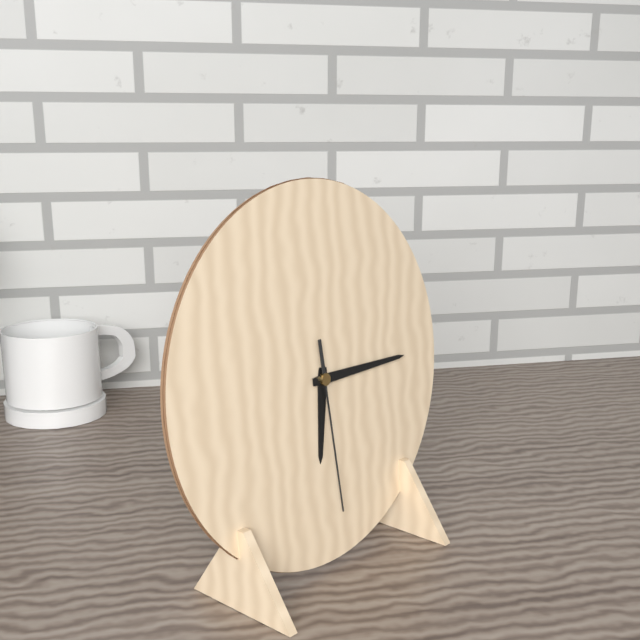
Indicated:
6:15:29
